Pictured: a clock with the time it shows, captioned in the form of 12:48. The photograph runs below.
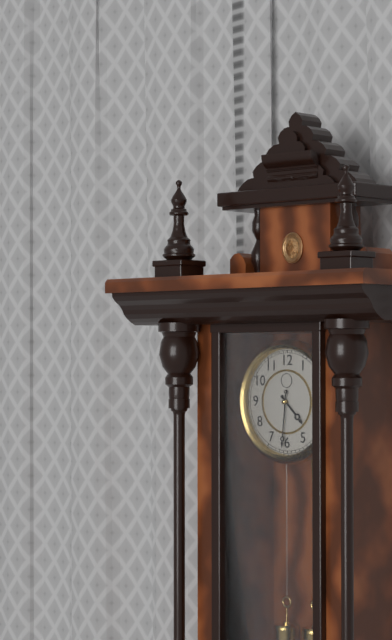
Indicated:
4:31
